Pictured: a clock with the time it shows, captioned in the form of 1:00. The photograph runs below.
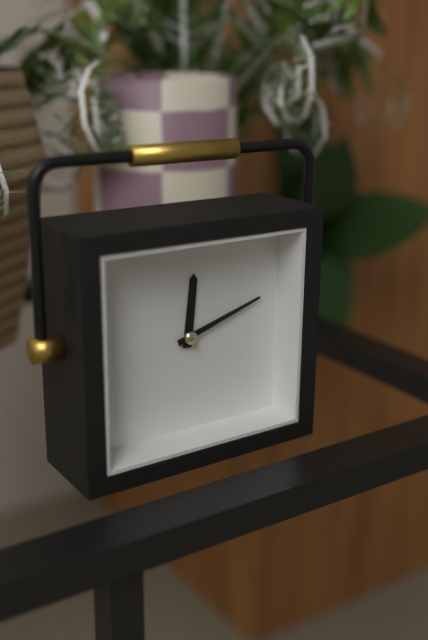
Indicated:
12:12
